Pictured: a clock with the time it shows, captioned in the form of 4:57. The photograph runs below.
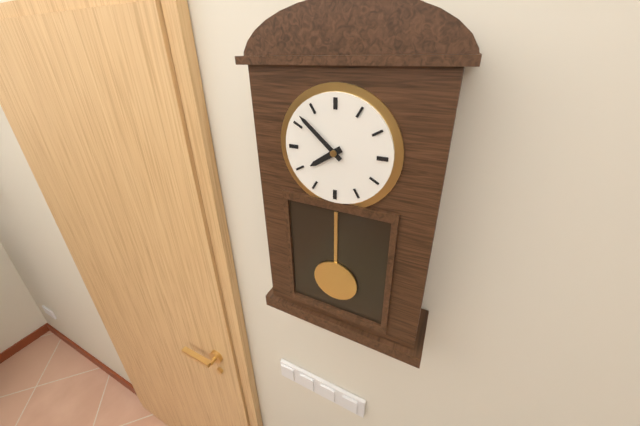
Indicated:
7:52
